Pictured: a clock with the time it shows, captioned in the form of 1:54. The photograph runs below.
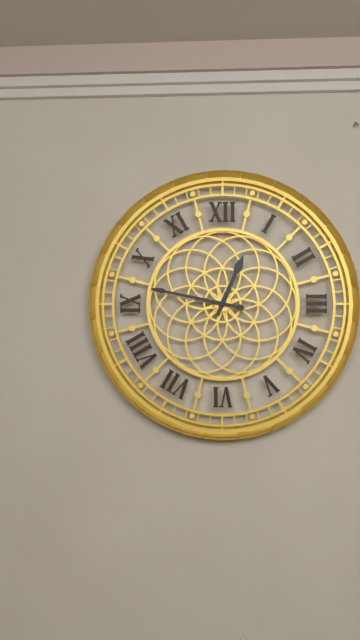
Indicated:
12:47
